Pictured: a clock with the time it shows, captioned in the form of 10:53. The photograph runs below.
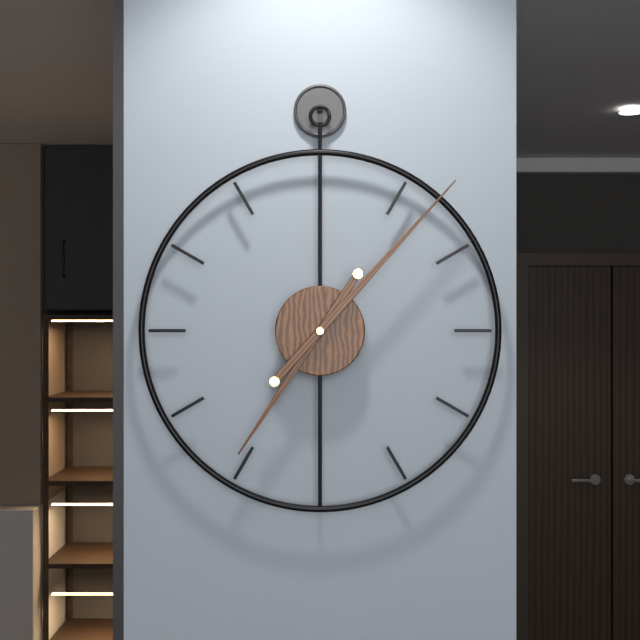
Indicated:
7:07
